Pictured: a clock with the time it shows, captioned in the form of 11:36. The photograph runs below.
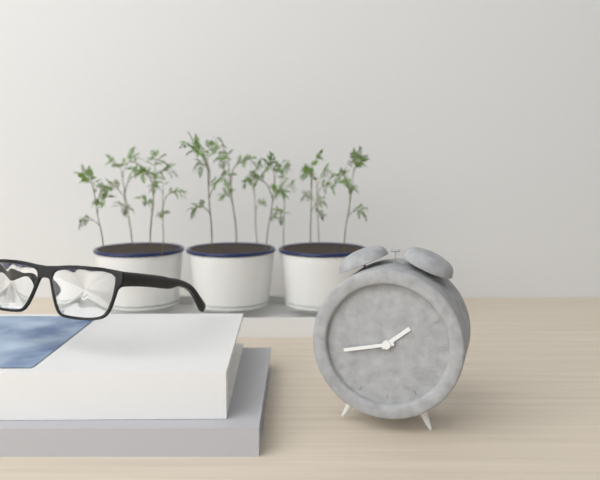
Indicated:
1:43
